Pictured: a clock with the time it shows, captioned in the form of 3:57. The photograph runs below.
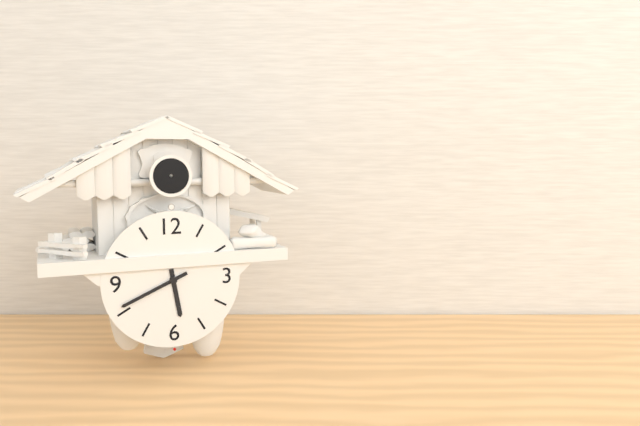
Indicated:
5:41
